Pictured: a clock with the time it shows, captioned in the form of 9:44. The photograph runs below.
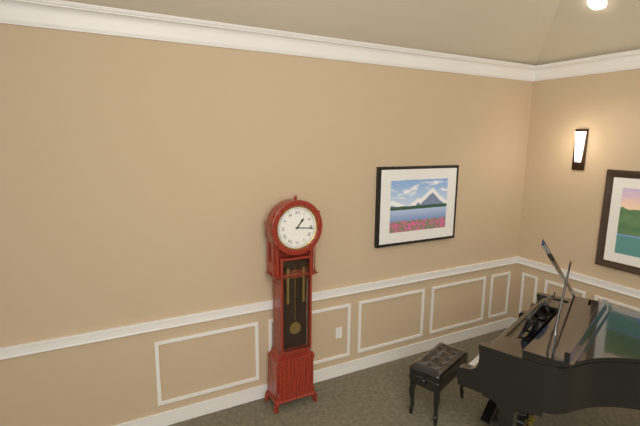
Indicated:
1:16
